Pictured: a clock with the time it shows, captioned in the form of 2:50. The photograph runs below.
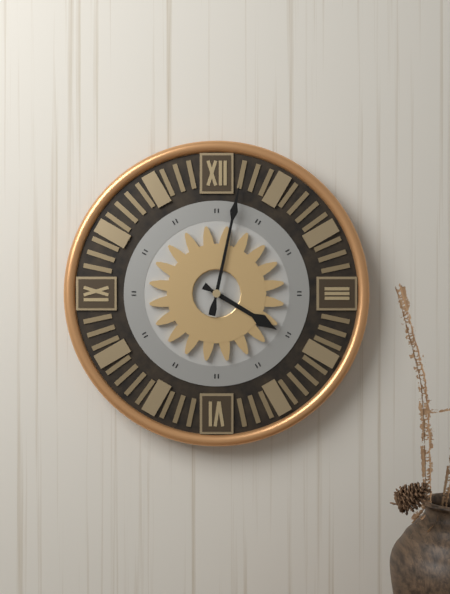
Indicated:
4:02
